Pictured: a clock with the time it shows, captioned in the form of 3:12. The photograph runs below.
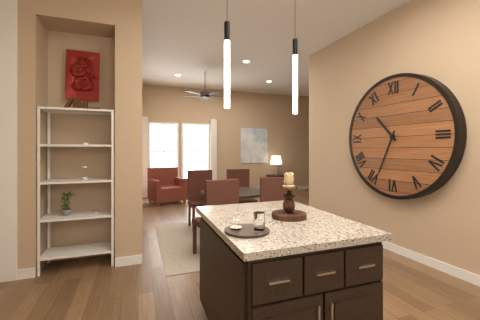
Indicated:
10:34
